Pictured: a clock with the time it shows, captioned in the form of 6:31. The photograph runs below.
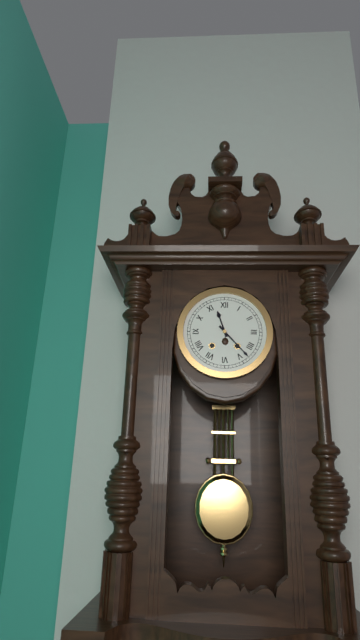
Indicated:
11:23
